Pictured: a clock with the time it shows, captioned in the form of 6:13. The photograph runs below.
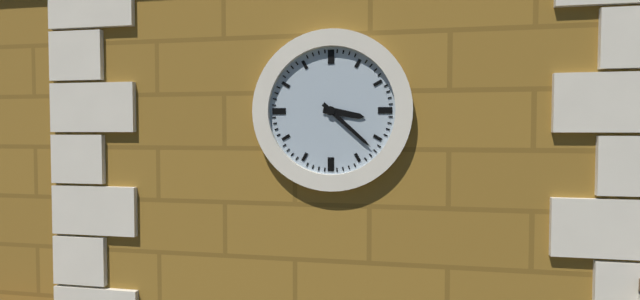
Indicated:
3:22
